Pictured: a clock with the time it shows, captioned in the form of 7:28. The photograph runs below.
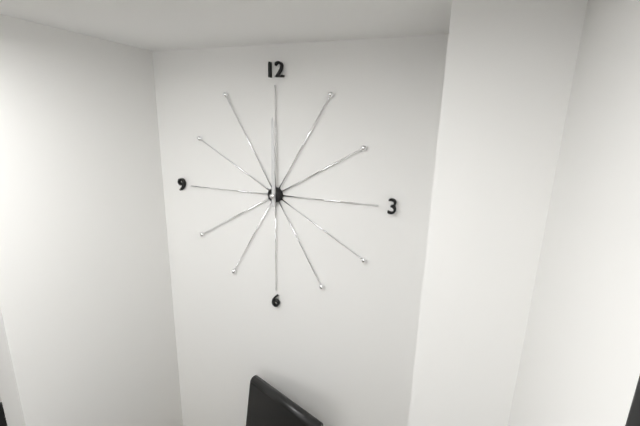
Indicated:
12:00
